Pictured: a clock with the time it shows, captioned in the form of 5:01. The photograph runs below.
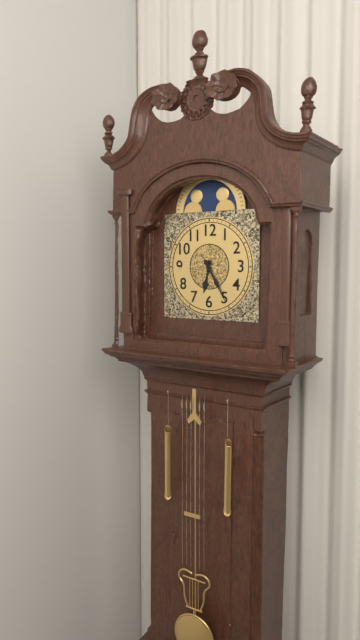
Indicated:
6:25
